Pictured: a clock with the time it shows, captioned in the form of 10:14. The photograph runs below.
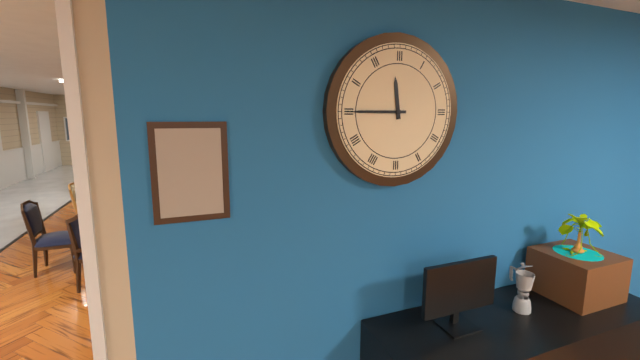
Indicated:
11:45
